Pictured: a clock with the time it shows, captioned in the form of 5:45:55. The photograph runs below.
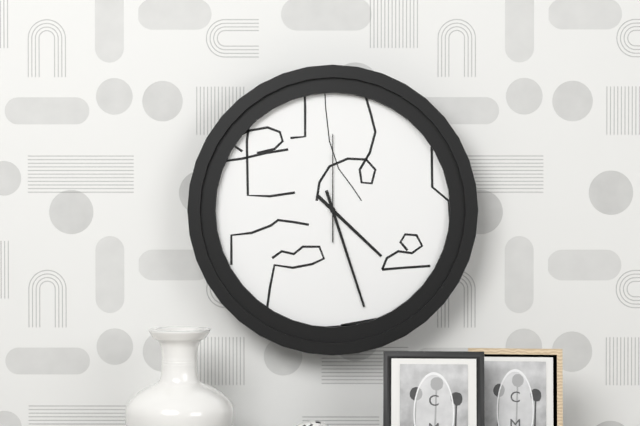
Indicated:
4:27:00
